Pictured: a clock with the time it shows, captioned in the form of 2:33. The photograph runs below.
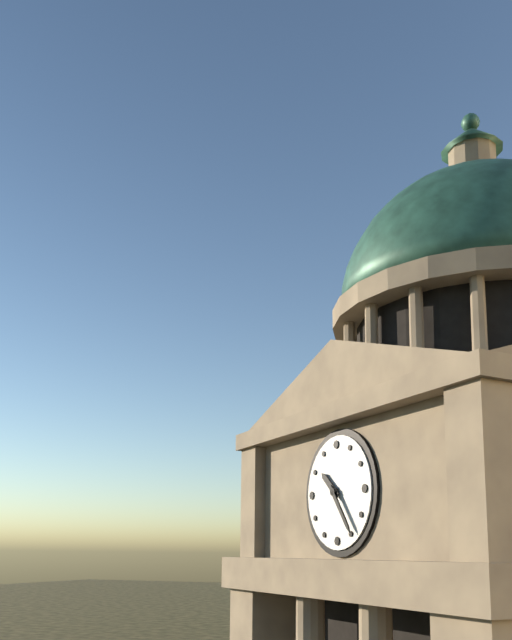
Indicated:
10:24
